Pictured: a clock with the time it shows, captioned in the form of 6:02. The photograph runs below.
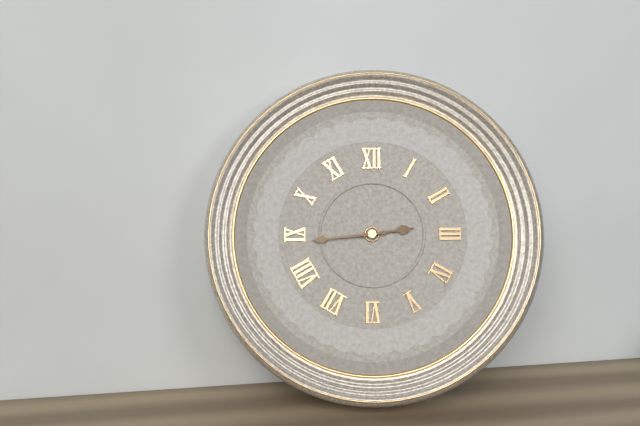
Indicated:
2:44
